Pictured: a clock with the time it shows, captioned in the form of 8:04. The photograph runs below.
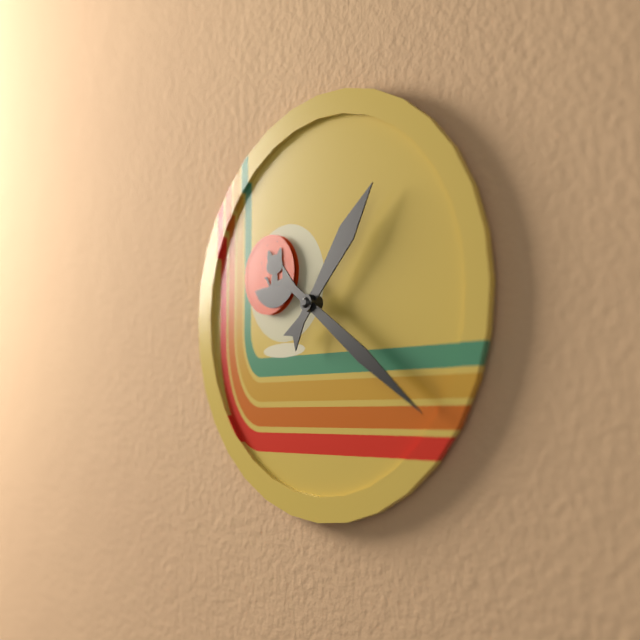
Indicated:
1:21
